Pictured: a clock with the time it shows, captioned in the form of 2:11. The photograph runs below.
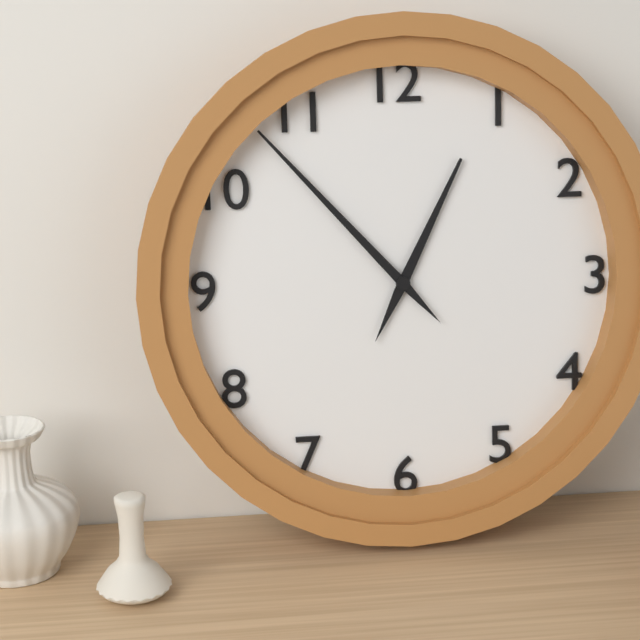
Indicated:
12:53
